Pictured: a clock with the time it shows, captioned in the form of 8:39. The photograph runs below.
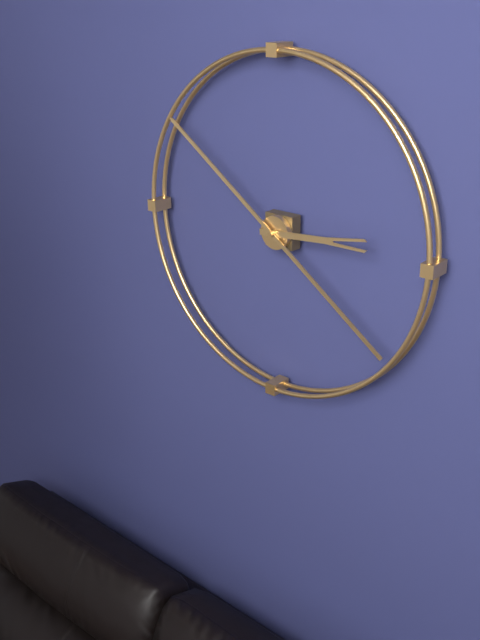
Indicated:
2:51
